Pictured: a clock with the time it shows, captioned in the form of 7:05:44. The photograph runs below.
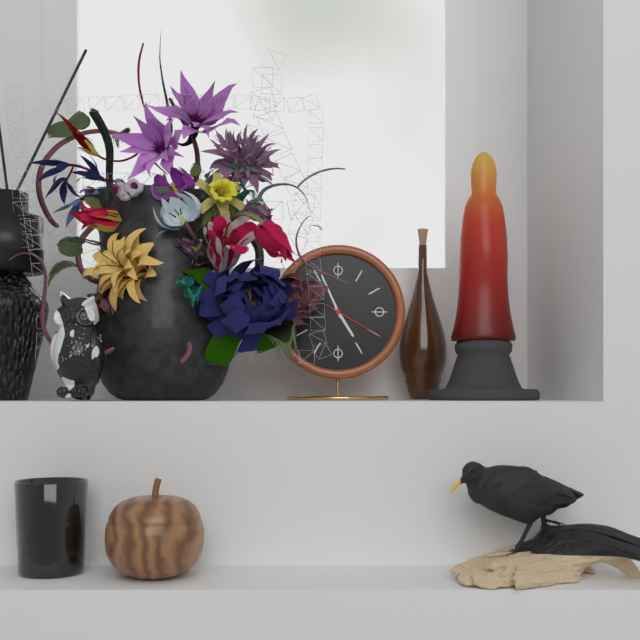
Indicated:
4:56:20
